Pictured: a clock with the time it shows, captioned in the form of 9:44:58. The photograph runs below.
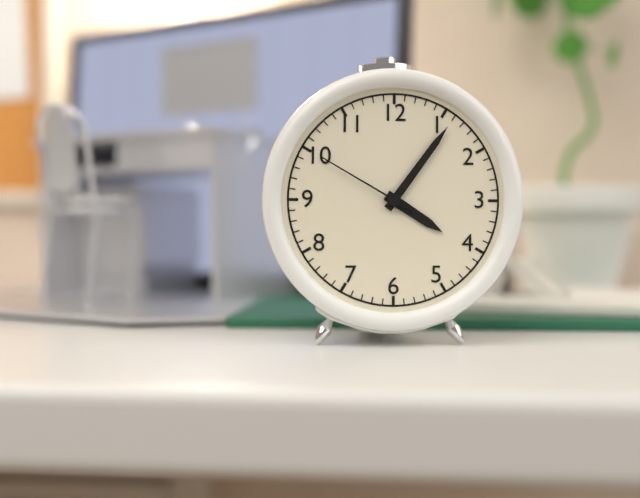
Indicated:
4:06:50
